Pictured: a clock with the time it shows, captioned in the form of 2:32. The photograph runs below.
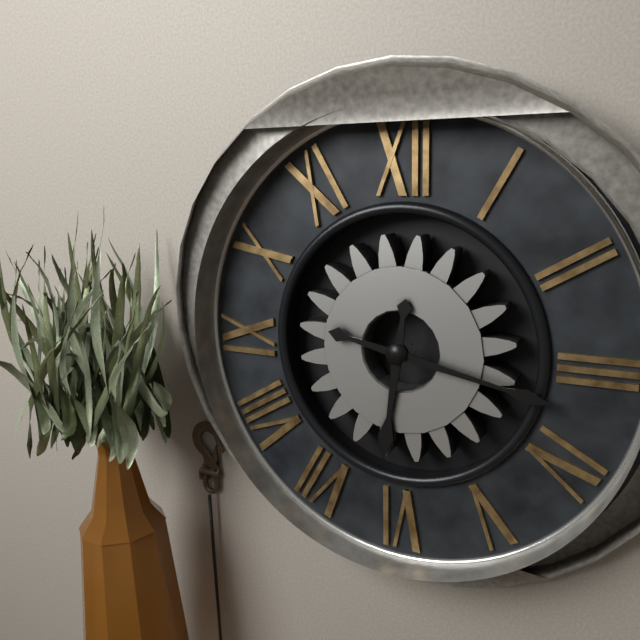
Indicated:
6:17
